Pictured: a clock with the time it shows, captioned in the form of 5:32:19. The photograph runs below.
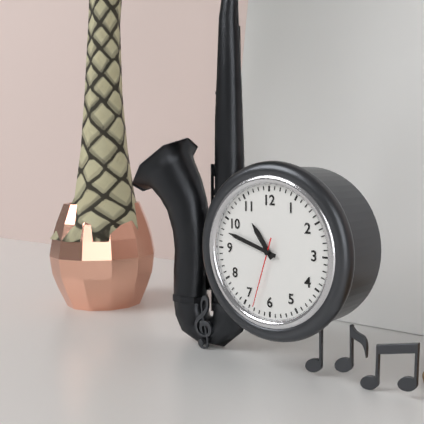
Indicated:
10:48:33
